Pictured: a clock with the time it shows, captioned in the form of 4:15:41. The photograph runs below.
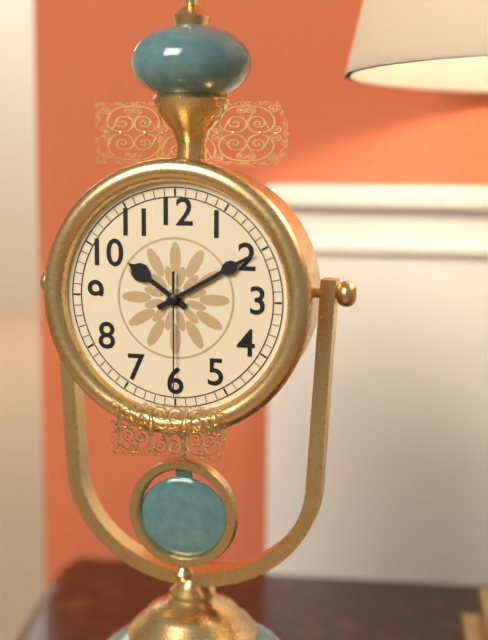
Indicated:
10:10:30
